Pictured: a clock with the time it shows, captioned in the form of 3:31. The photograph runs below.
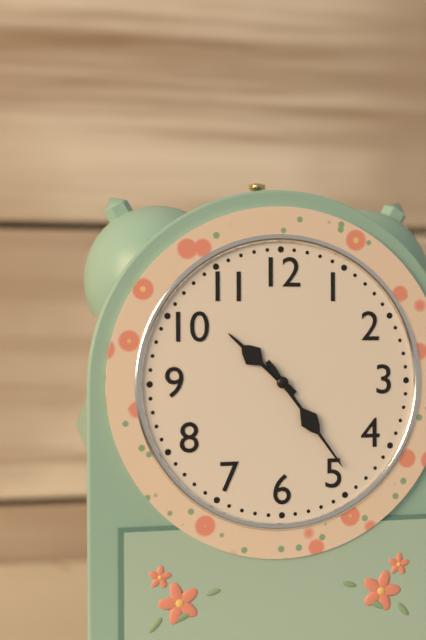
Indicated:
10:24
